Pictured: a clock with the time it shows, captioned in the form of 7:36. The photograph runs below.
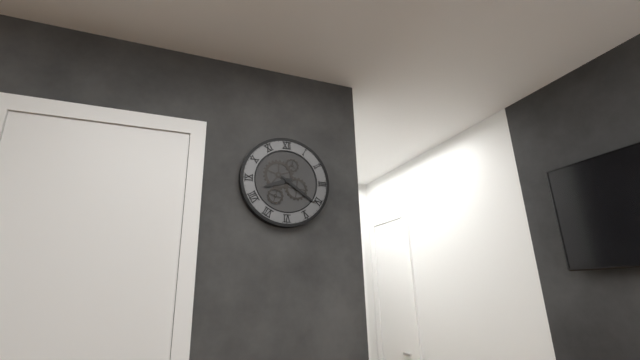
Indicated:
8:21
